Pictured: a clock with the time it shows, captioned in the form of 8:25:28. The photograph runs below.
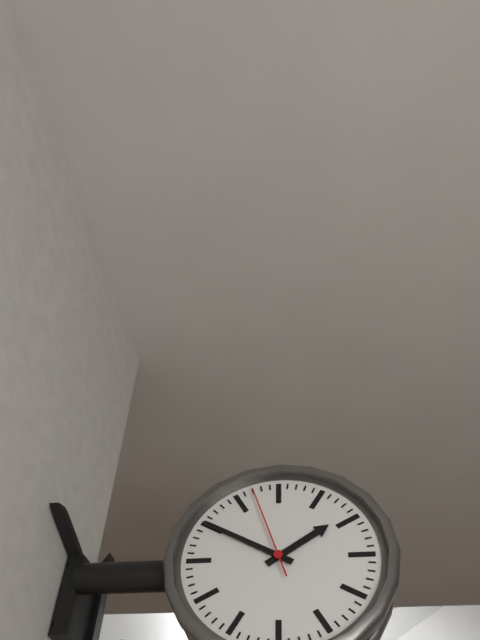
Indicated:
1:50:57
